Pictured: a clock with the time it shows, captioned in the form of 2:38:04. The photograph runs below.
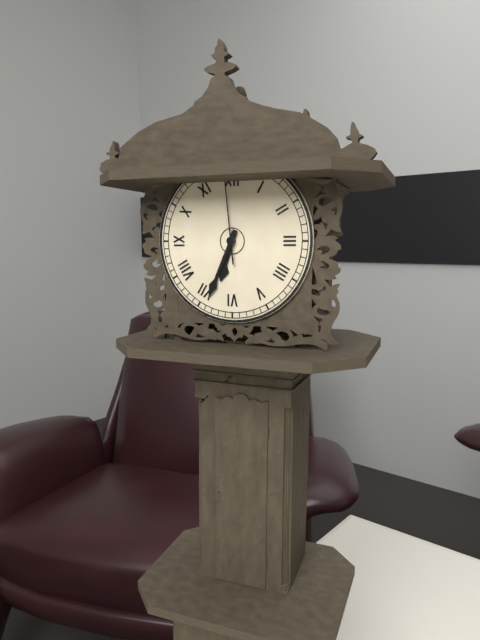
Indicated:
6:34:59
